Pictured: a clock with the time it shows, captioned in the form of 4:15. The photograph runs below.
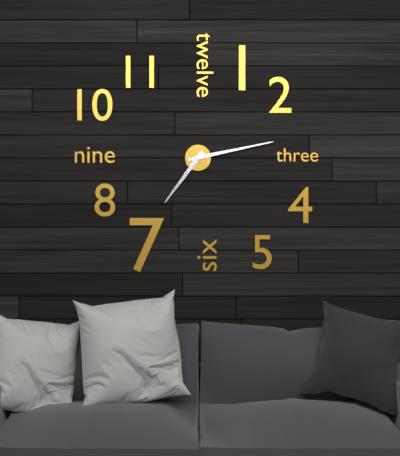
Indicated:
7:13
